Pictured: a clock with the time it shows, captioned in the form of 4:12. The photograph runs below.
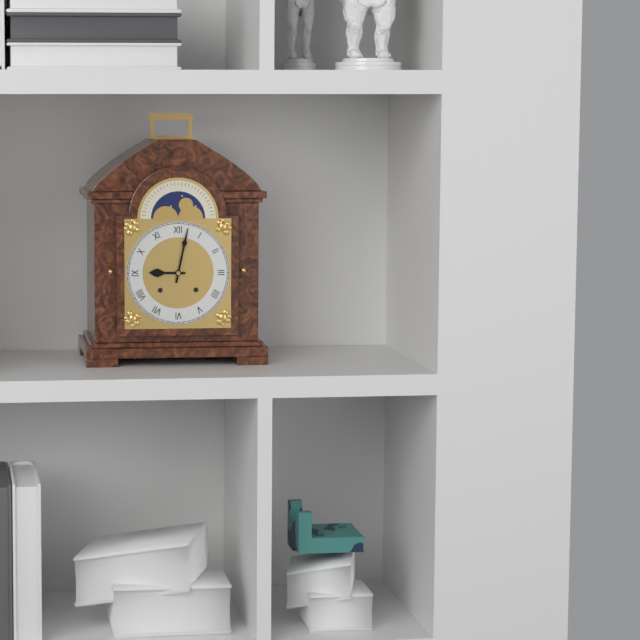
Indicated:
9:02
